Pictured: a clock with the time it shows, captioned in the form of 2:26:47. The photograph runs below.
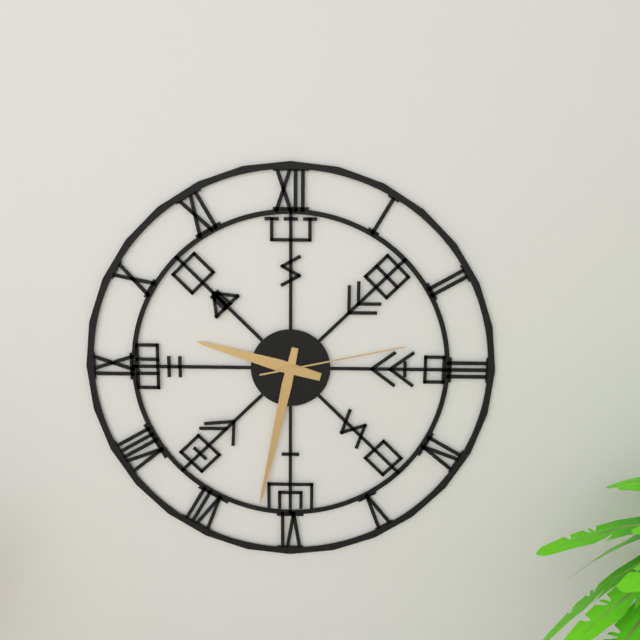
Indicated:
9:32:13
